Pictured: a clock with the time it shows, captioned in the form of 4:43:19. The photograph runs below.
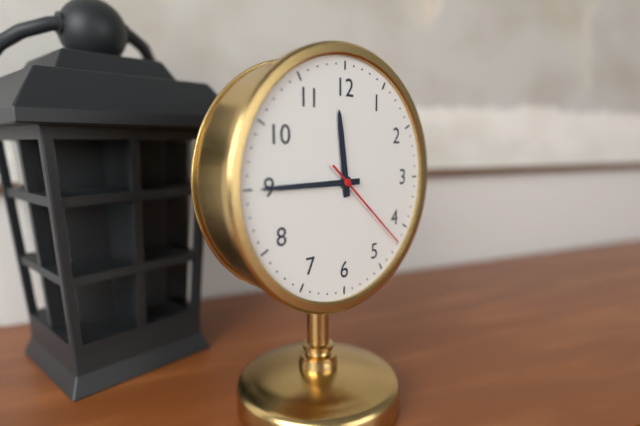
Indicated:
11:45:22
